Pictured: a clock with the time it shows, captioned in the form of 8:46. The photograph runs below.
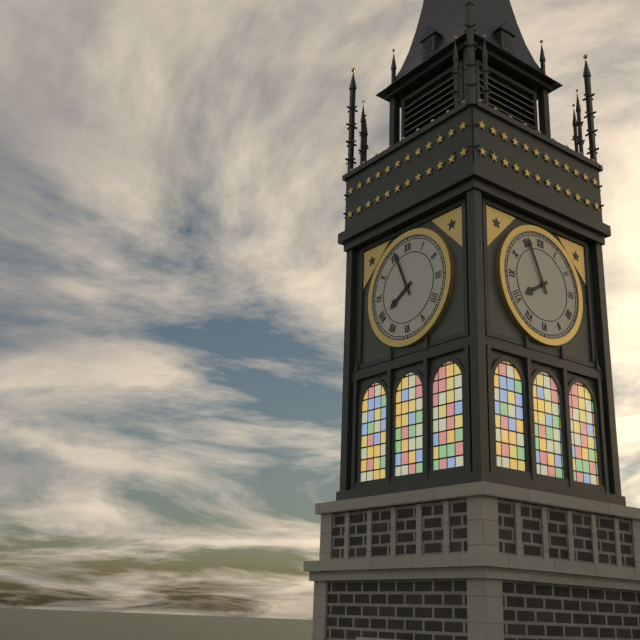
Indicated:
7:56
